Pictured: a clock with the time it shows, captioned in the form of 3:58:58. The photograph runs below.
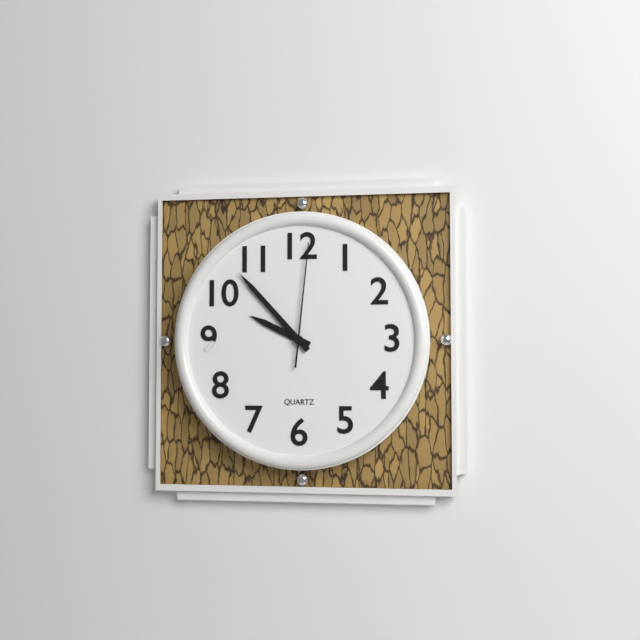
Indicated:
9:53:01
